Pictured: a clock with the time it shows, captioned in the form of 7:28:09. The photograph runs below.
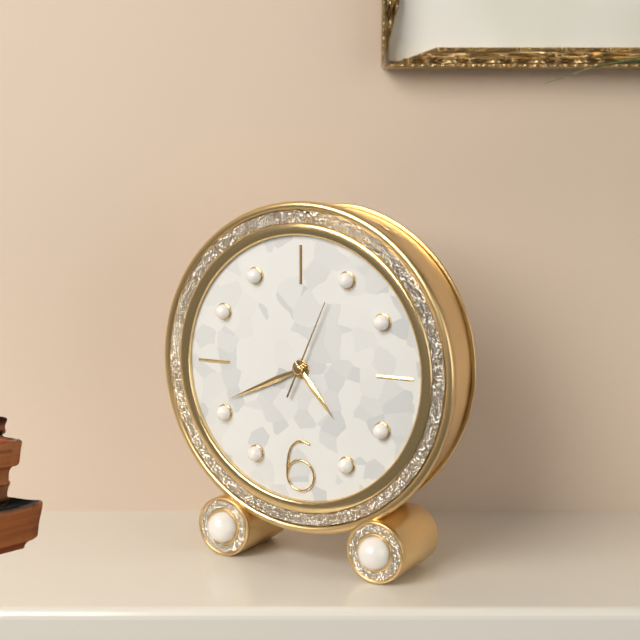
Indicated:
4:41:04
